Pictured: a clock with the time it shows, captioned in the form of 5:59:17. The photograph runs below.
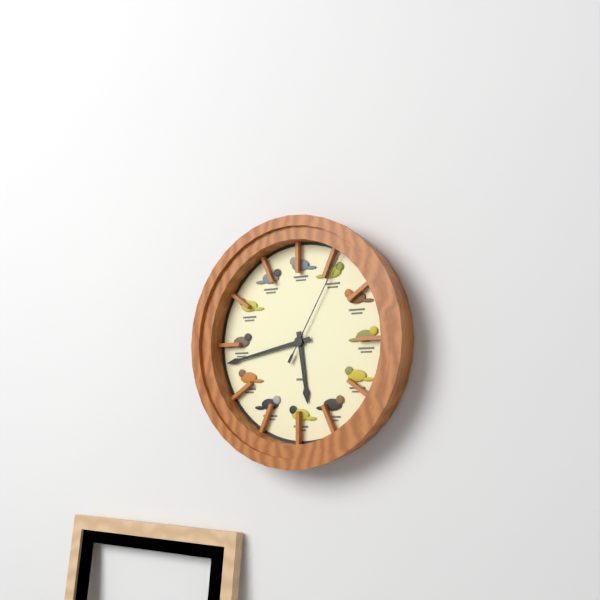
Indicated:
5:43:05
